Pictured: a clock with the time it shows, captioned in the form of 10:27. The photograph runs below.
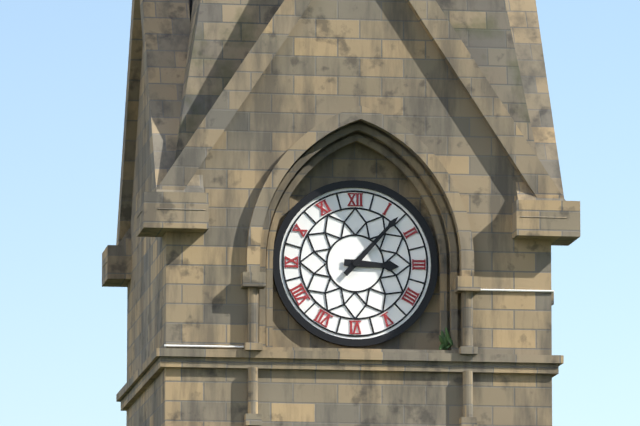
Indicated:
3:07
